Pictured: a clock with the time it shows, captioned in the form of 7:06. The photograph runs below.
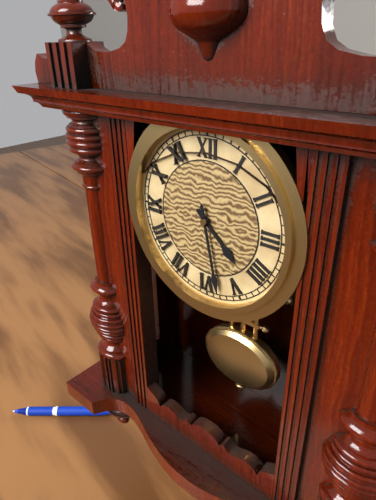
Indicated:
4:28
